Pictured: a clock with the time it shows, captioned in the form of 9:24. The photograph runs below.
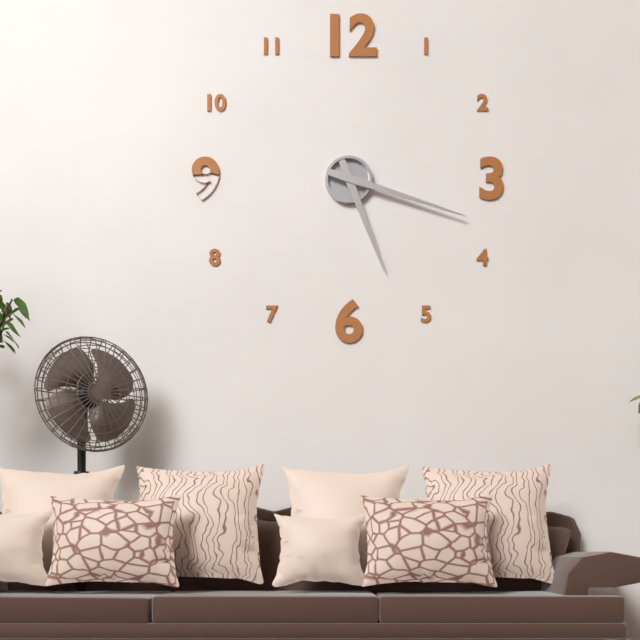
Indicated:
5:18
